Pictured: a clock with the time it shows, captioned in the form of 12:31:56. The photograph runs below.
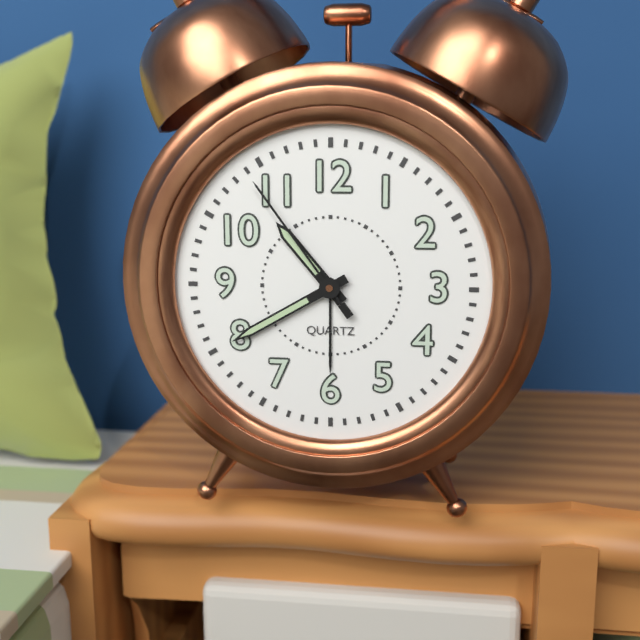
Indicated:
10:40:54
